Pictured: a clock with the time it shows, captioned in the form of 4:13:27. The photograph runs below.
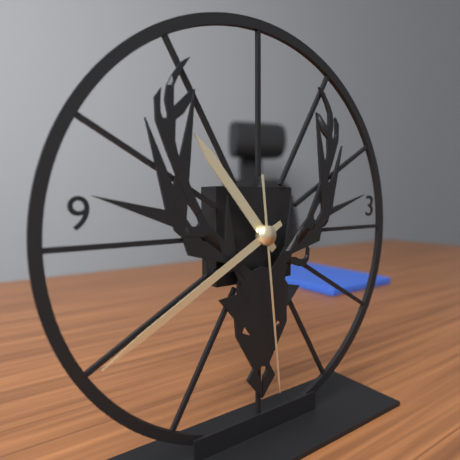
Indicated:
10:40:29
